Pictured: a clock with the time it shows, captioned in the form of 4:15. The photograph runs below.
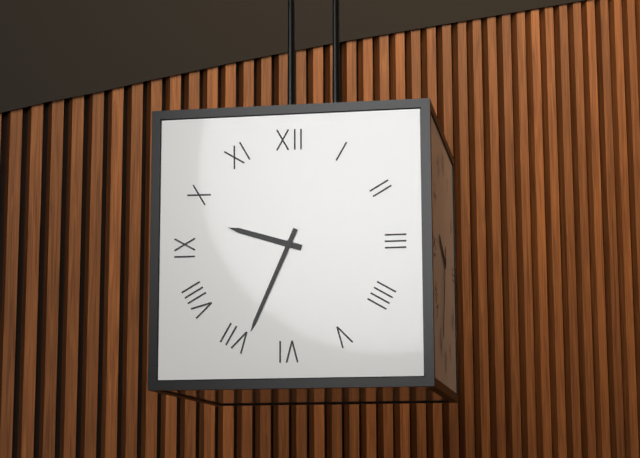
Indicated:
9:34
